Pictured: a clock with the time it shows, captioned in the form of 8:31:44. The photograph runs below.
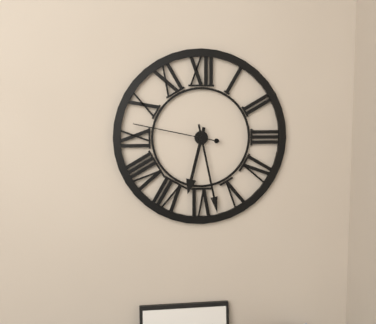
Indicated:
6:28:47
